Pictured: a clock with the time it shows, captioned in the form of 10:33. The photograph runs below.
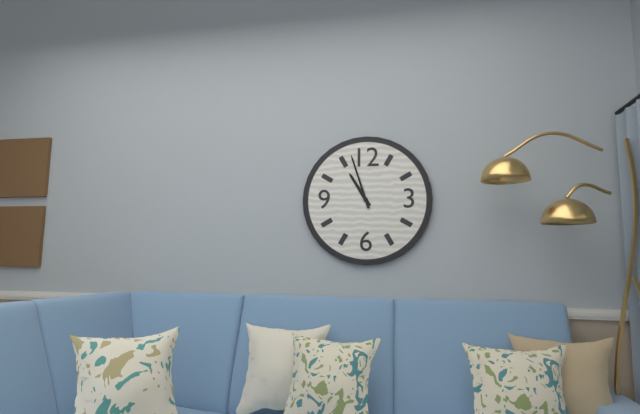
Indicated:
10:57
